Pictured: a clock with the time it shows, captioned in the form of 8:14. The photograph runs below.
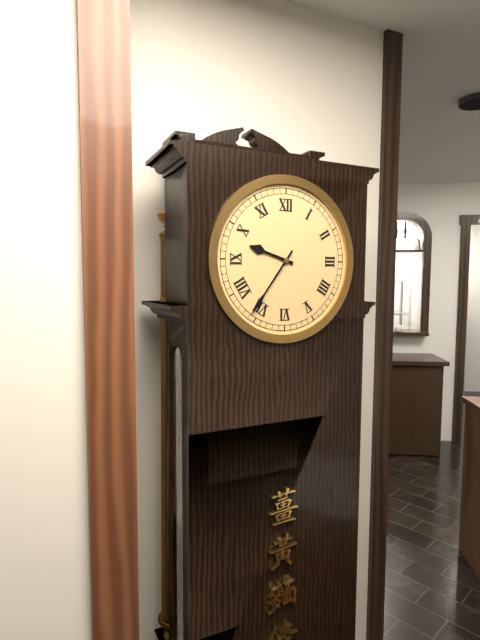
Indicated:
9:36
